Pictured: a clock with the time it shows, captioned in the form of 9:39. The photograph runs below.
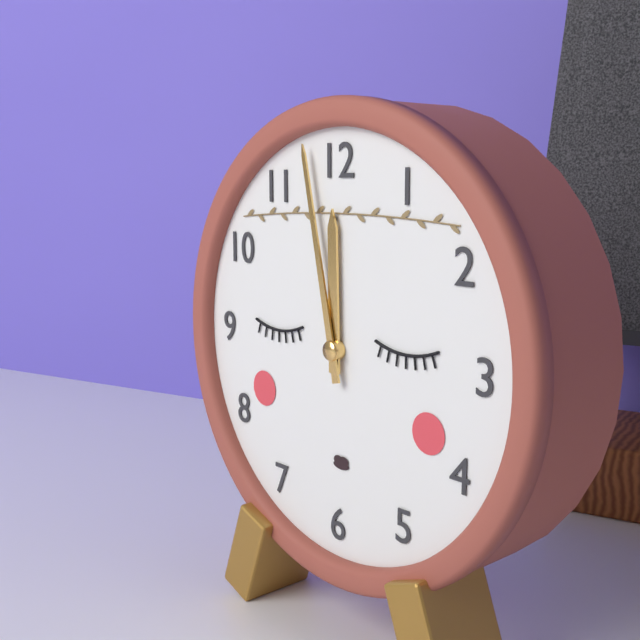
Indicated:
11:58
